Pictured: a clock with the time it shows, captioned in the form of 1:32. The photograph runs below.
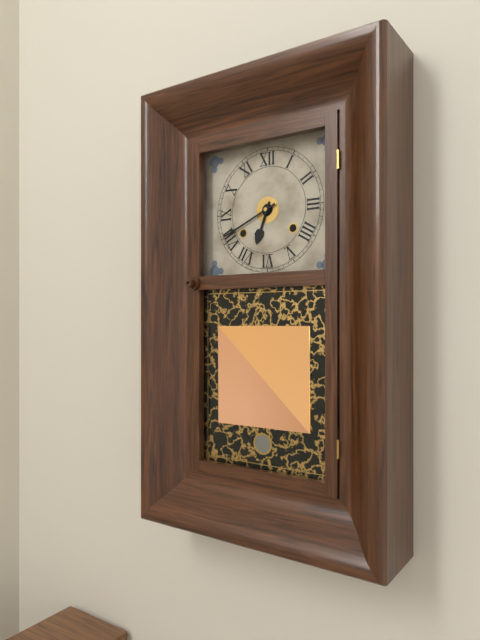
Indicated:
6:41
